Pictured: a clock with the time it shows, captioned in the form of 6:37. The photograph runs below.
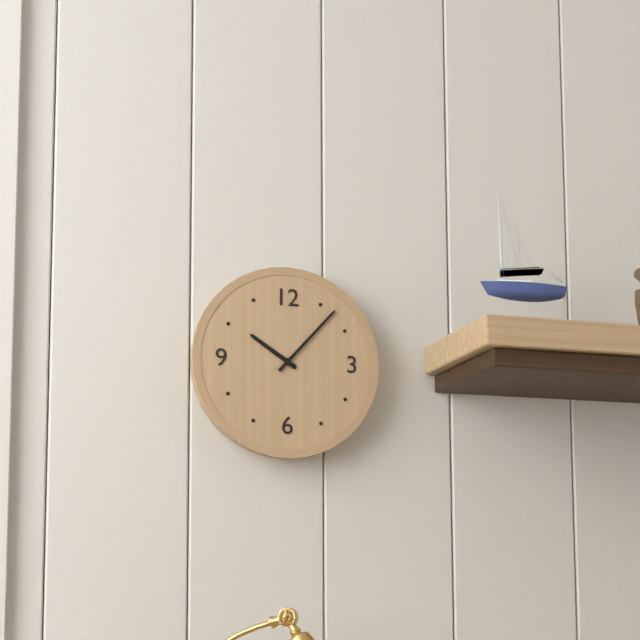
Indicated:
10:07
